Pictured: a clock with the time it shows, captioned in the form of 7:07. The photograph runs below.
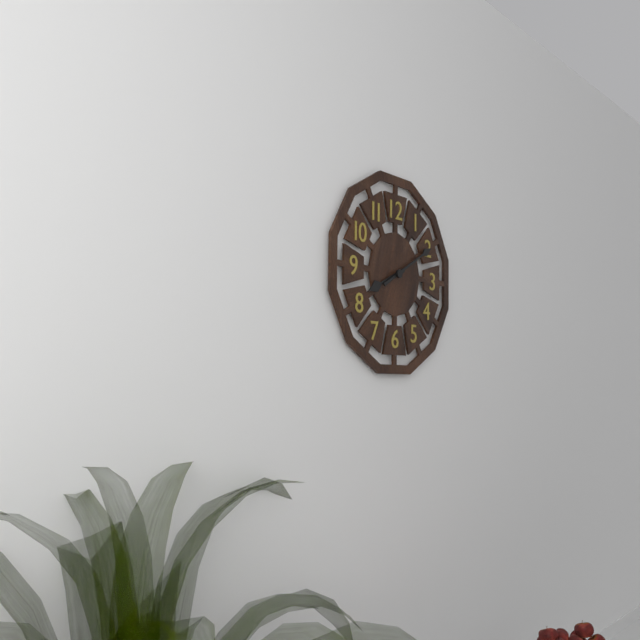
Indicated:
8:10
